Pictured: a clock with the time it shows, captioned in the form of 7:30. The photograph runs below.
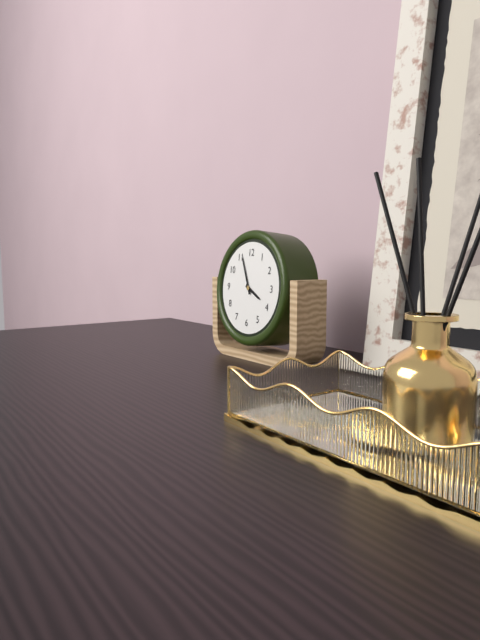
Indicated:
3:56
